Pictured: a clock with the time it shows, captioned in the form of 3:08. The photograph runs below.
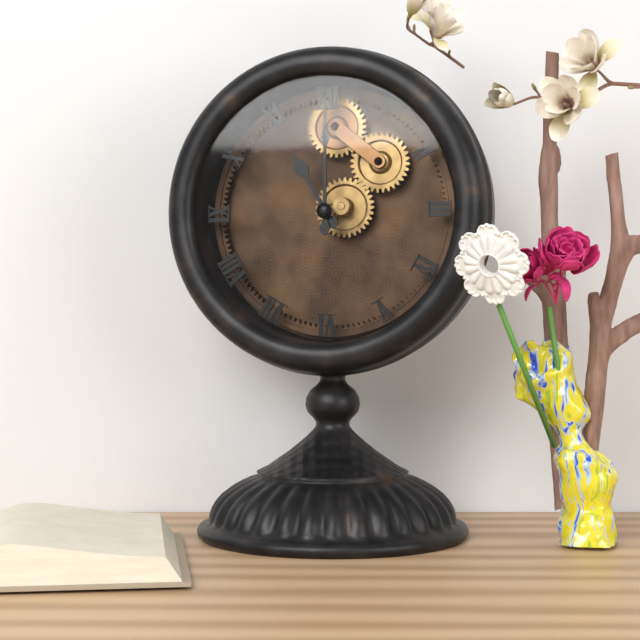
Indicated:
11:00
